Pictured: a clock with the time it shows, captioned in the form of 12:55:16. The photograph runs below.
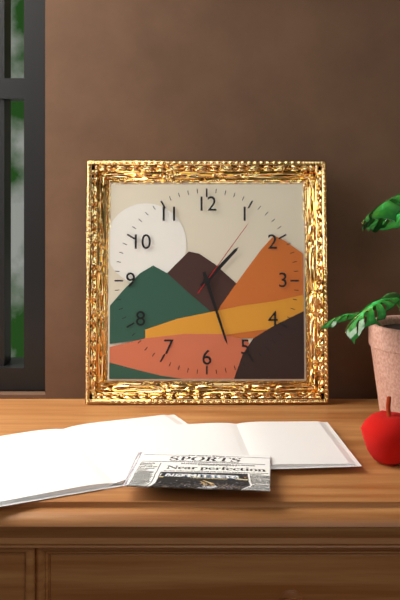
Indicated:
1:27:06
